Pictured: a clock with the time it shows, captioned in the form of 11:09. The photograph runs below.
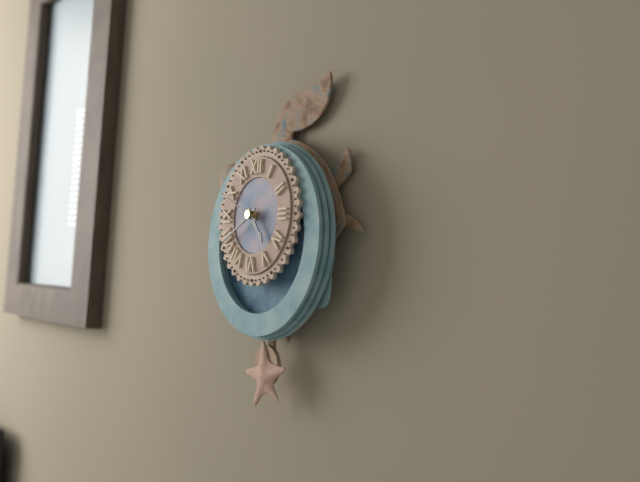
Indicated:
4:40
